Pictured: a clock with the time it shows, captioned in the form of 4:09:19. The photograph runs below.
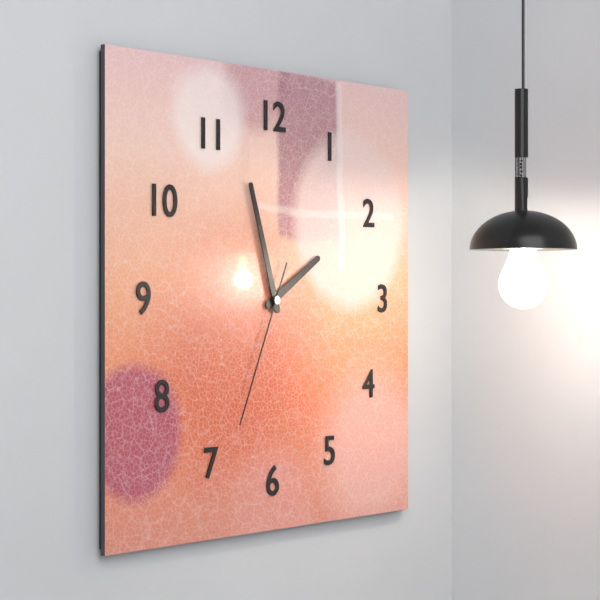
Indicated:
1:57:34
